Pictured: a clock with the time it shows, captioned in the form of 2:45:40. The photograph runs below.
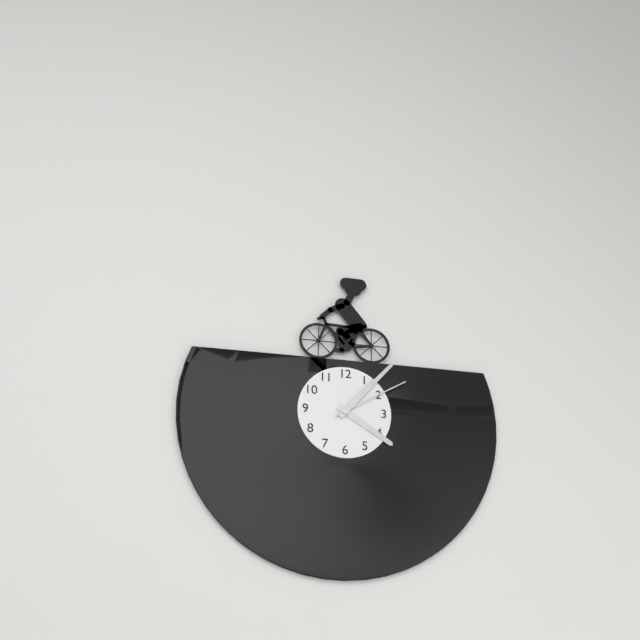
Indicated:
4:07:10
